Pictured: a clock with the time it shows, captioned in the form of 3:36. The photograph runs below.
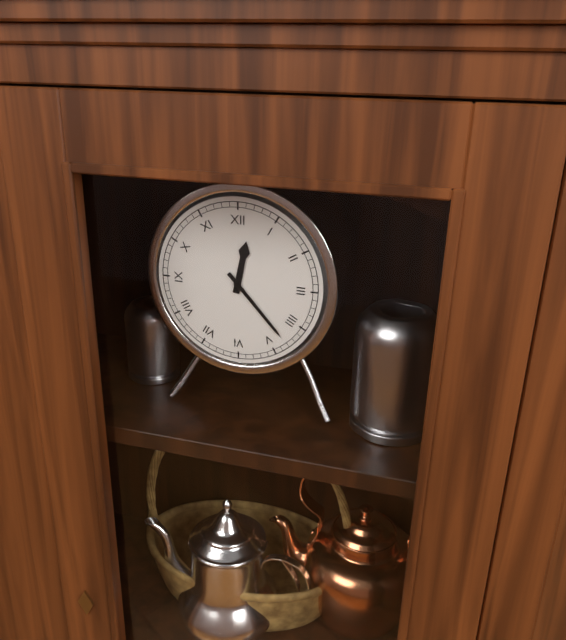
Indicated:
12:23
